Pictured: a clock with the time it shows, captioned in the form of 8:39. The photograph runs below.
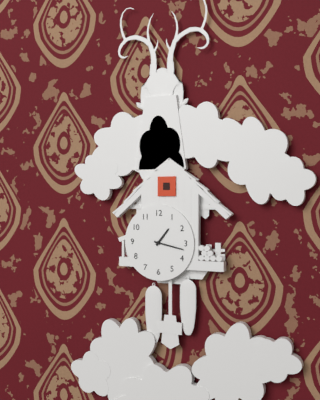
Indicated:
1:17
